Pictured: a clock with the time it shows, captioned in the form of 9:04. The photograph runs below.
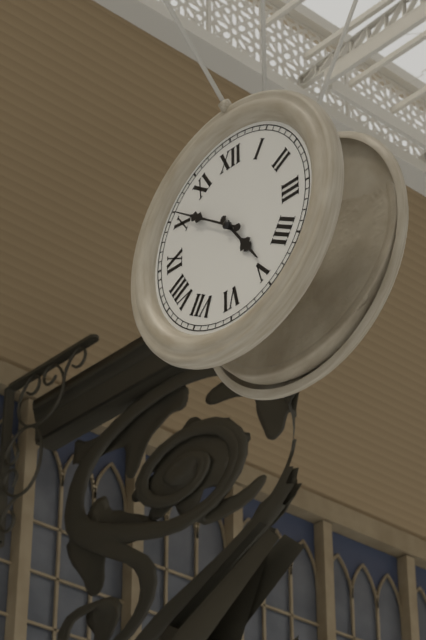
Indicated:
4:51
